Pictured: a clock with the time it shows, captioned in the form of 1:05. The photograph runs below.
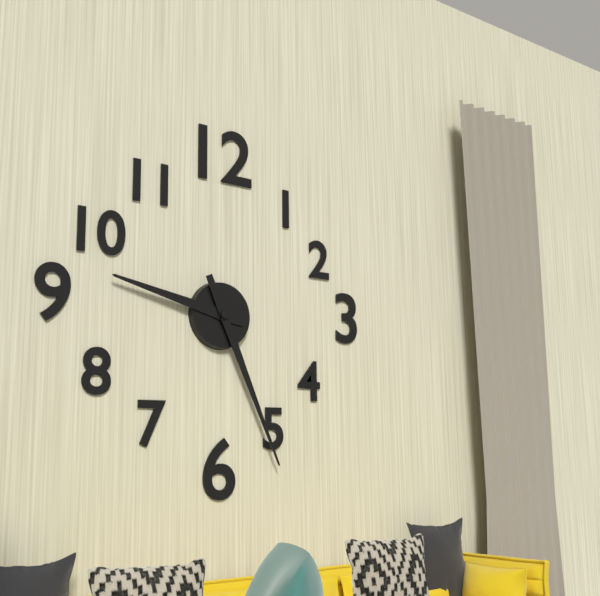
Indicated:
9:26
